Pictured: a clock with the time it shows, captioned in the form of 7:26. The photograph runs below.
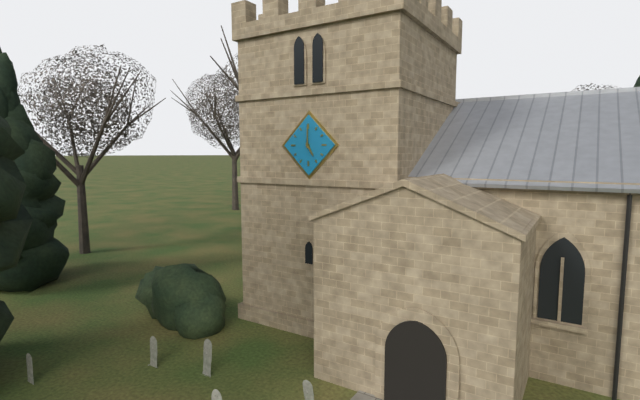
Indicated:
5:00
